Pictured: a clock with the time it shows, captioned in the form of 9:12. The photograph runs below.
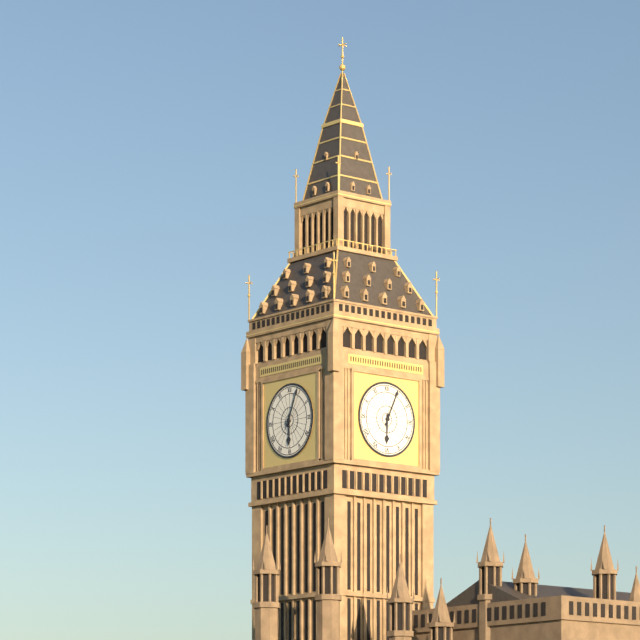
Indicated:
6:04
